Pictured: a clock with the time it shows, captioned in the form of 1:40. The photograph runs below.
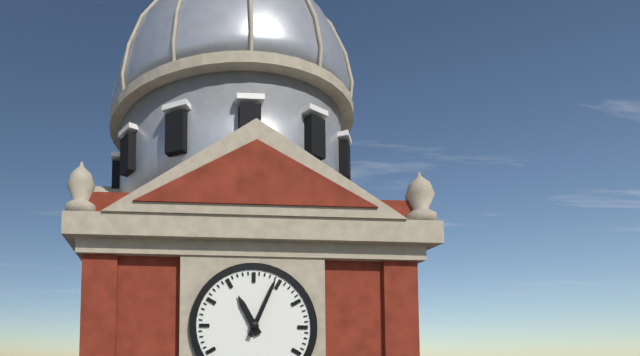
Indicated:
11:04
